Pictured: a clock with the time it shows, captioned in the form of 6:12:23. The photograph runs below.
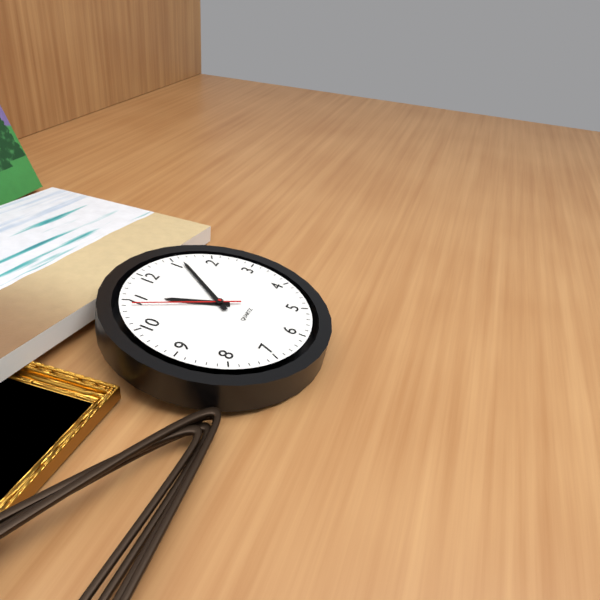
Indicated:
11:06:54
